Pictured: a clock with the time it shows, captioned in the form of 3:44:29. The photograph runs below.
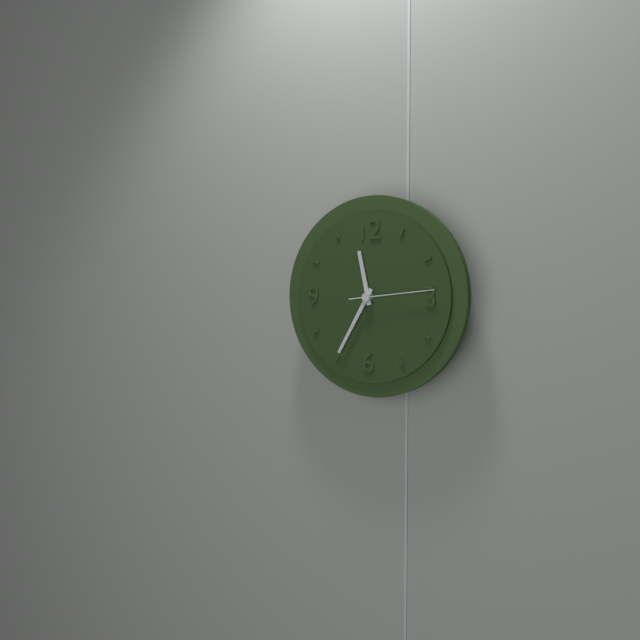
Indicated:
11:35:14
